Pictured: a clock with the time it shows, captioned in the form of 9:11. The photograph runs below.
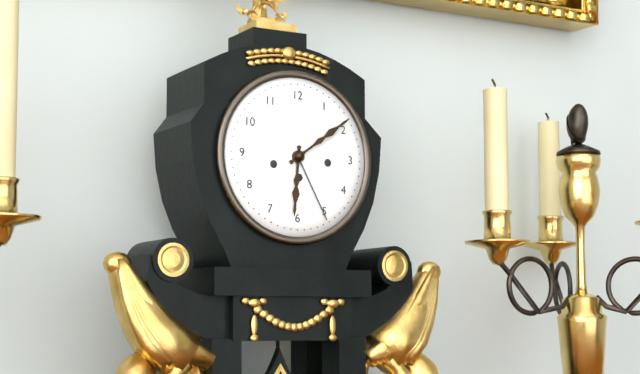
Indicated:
6:09
